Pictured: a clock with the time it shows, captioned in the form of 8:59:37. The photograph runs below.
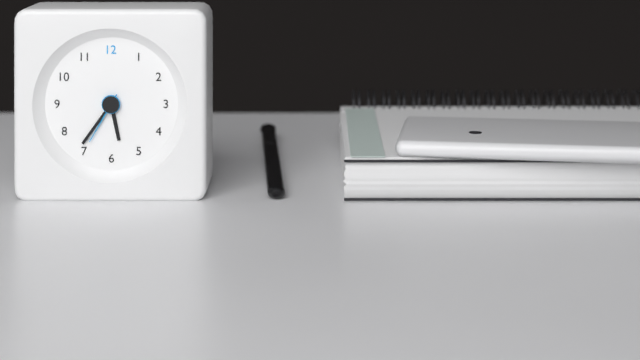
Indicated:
5:36:35
